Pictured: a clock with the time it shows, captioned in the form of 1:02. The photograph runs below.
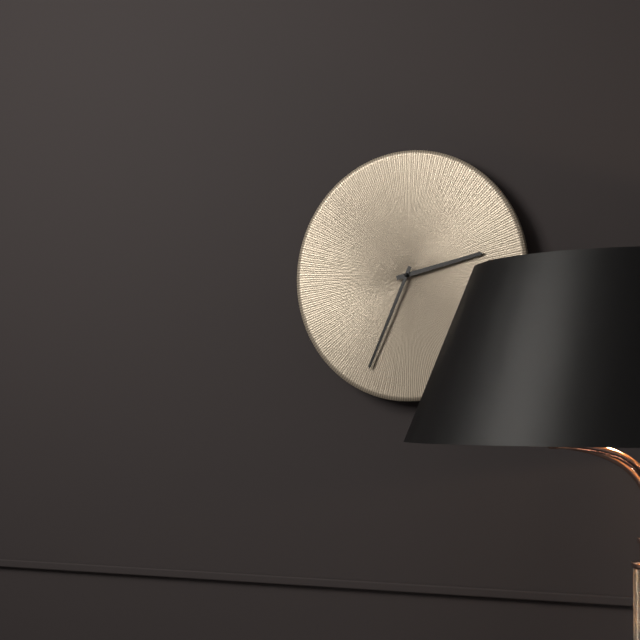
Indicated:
2:34
